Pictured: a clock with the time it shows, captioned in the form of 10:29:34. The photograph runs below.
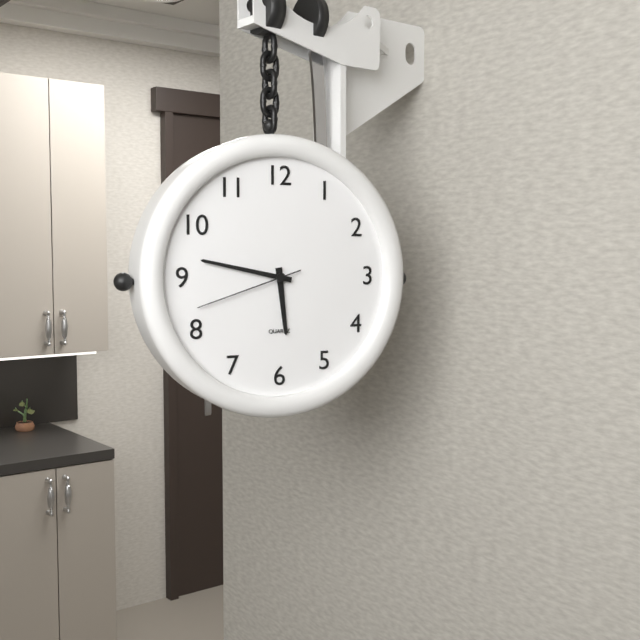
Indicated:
5:47:42
